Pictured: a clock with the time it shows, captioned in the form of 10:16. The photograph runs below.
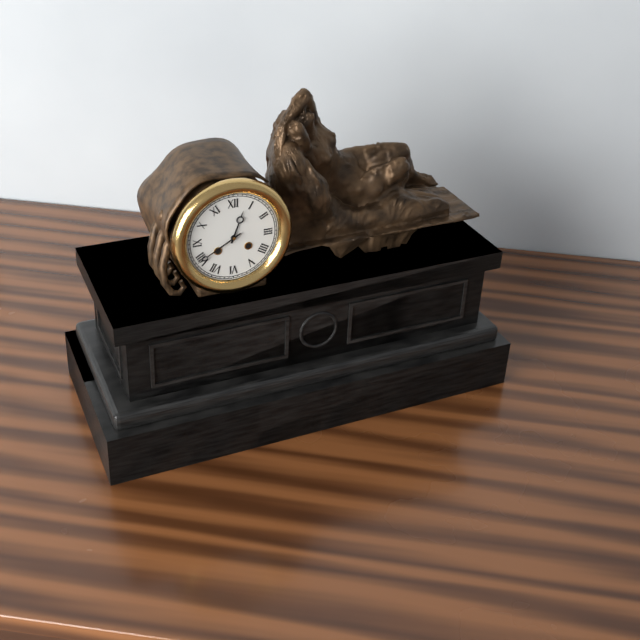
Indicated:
12:40
